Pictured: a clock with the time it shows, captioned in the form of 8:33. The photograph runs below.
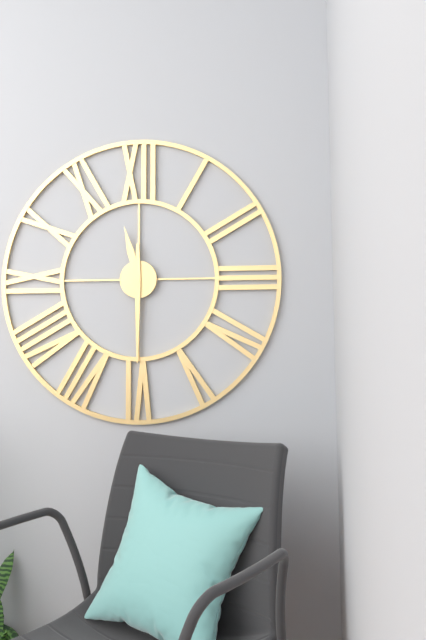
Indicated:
11:30
